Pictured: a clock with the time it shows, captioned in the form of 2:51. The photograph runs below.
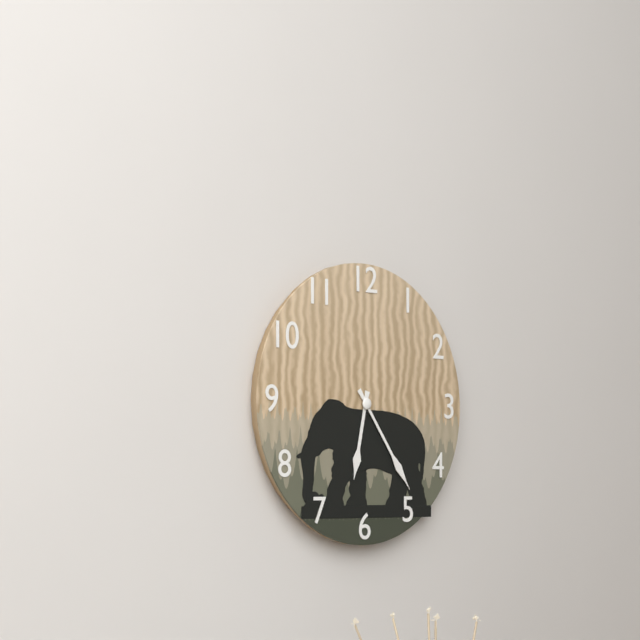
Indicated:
6:24
